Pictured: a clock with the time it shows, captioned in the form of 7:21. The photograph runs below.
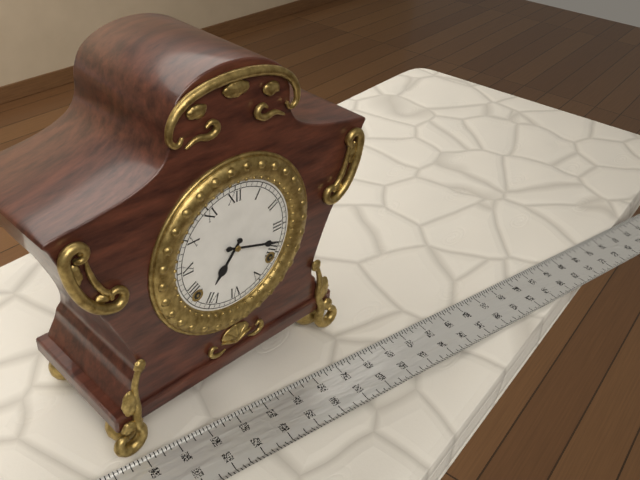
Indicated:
7:18
